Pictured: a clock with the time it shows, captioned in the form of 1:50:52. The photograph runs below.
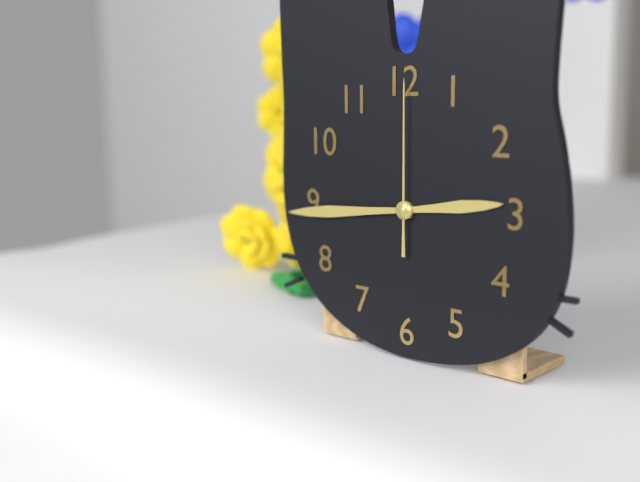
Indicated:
2:44:00
